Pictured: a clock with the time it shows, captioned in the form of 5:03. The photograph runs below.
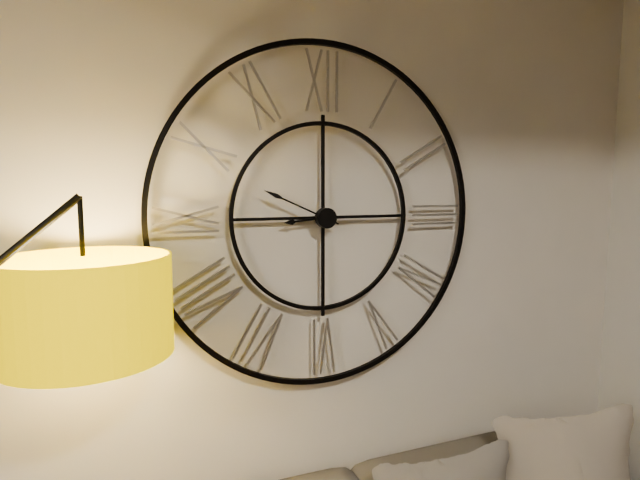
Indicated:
8:49
